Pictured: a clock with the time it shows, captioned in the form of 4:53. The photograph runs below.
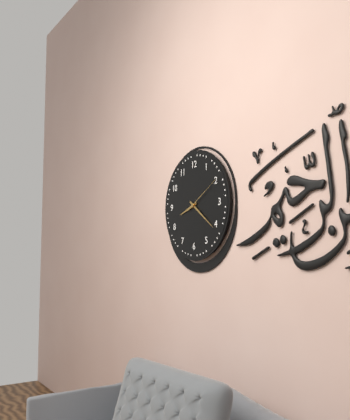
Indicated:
8:21
